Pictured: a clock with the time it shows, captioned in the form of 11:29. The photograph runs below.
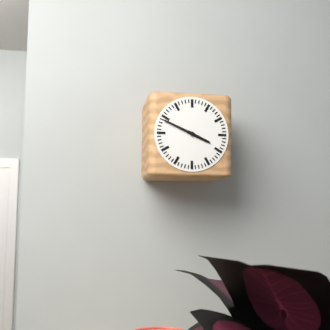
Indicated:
3:49
